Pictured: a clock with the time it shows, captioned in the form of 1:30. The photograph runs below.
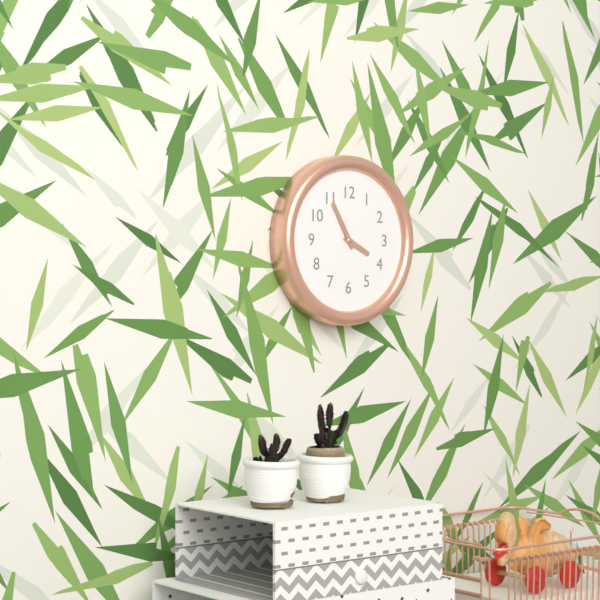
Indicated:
3:55
